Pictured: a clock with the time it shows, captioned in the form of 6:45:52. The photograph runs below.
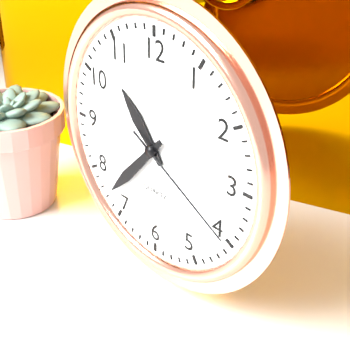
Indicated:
10:37:20
